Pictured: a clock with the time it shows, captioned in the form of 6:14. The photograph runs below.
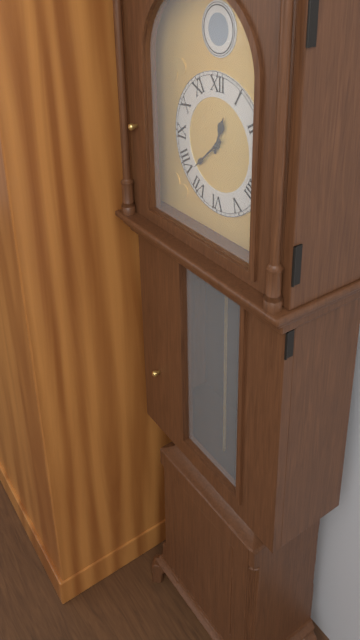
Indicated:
12:38
